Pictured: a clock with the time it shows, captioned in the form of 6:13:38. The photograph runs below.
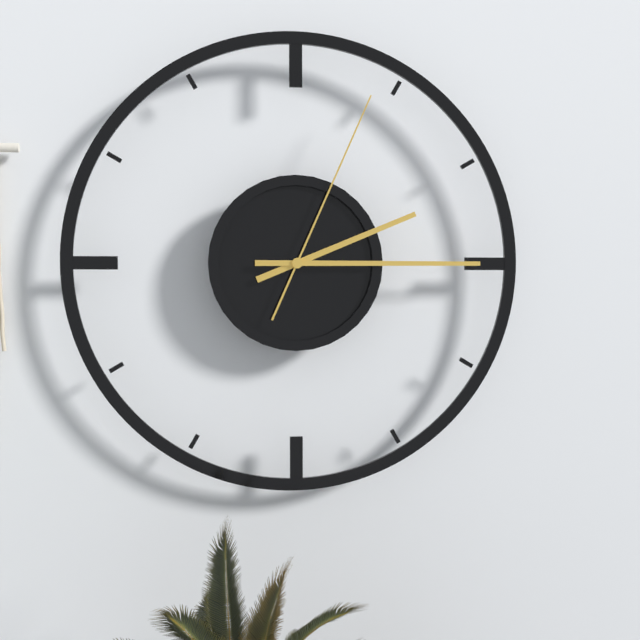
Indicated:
2:15:04
